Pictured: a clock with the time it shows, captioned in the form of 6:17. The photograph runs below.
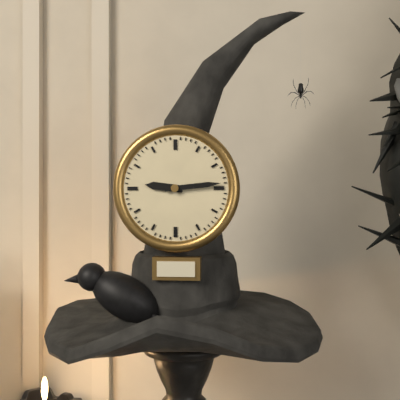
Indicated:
9:14
